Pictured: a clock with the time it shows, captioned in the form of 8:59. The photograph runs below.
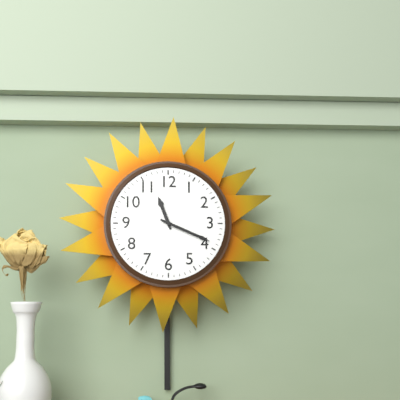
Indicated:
11:19
